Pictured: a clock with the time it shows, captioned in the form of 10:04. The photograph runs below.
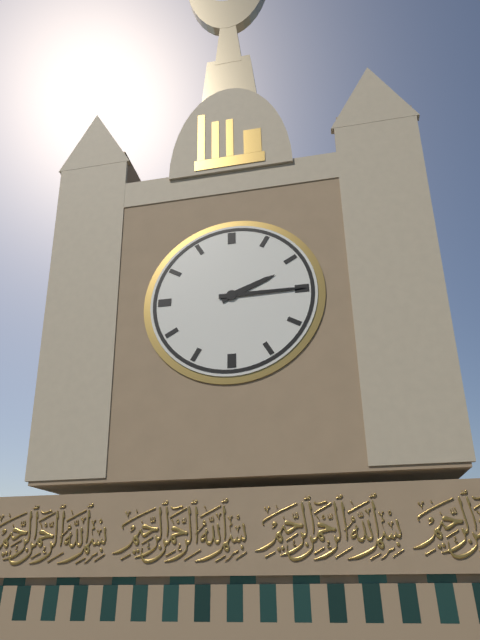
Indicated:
2:15
